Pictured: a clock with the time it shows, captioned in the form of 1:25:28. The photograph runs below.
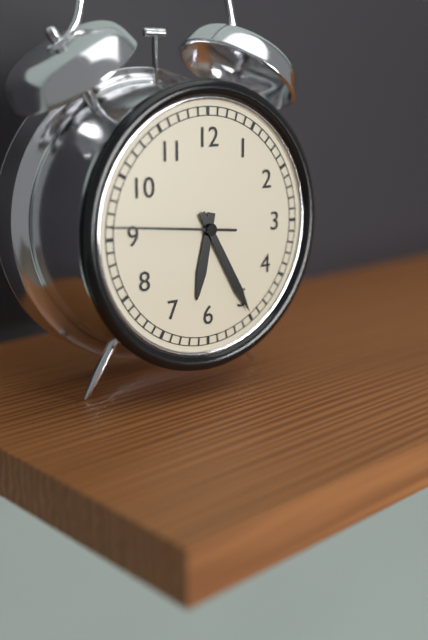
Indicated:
6:25:46
